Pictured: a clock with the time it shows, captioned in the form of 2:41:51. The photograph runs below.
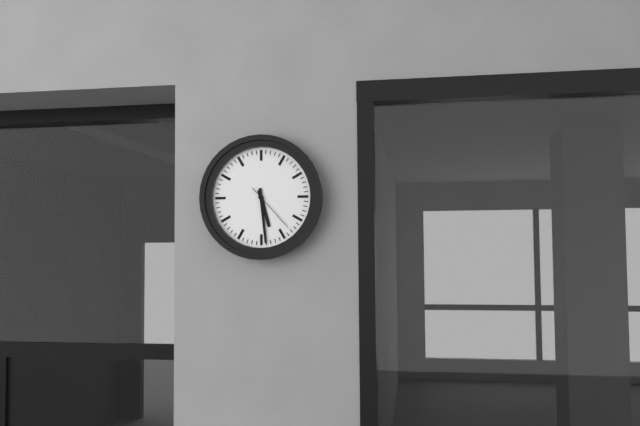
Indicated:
5:29:23
